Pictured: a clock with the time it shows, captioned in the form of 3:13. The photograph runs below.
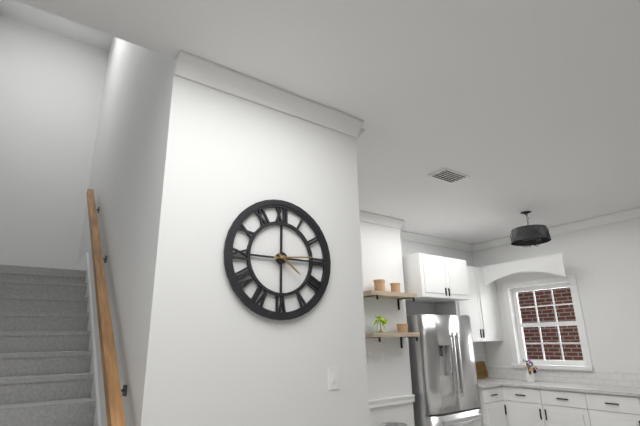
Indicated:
4:14
